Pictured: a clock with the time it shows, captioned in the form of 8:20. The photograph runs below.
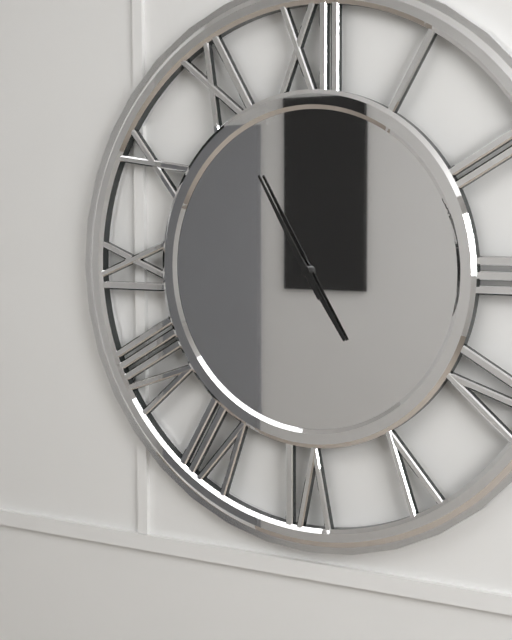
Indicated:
4:55
